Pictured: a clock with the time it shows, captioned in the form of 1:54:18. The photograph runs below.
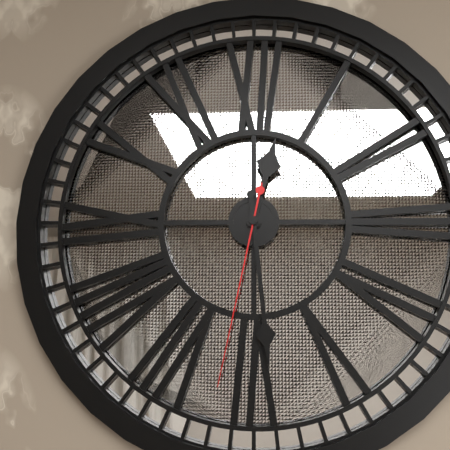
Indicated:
12:29:32
